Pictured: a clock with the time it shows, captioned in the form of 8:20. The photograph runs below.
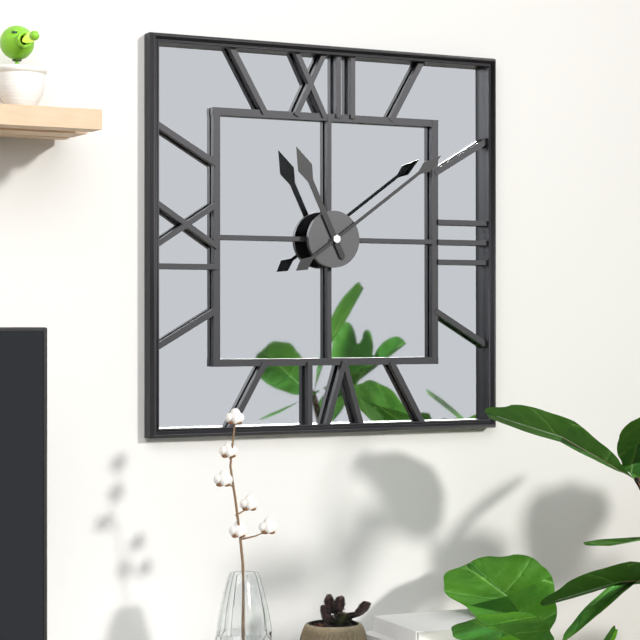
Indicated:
11:09
